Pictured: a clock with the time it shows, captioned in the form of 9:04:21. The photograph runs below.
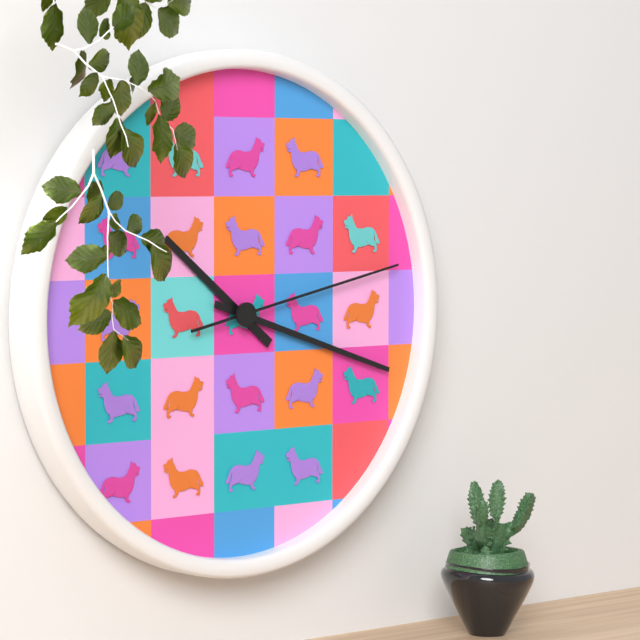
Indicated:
10:18:13
